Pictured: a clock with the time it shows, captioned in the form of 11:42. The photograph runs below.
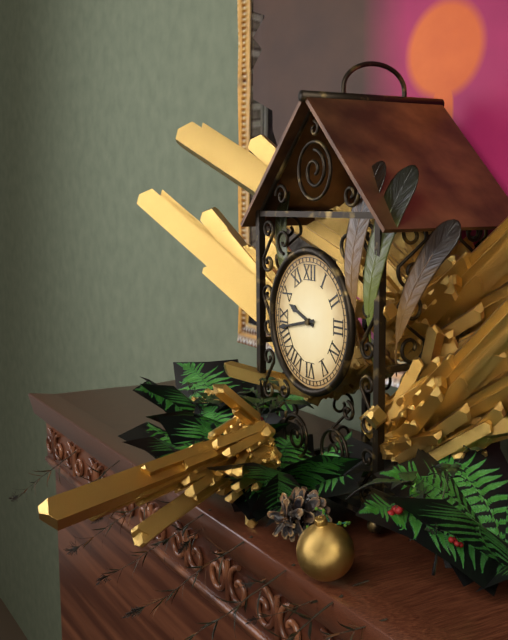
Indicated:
9:43
